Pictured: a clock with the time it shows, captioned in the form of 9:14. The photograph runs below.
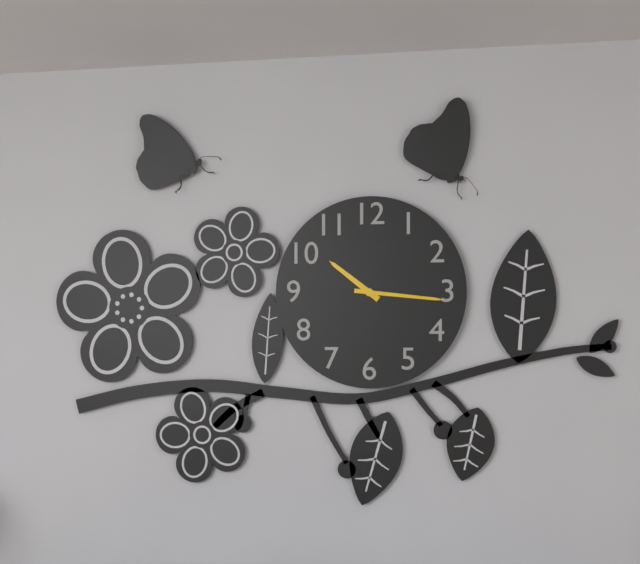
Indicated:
10:16
